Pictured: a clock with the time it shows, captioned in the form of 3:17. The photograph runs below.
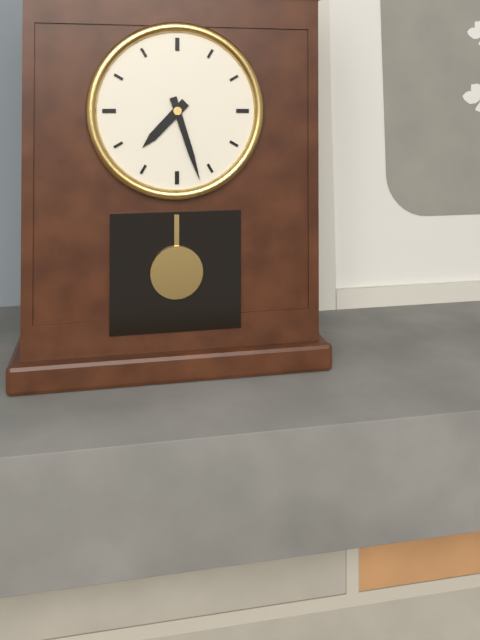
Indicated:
7:27
